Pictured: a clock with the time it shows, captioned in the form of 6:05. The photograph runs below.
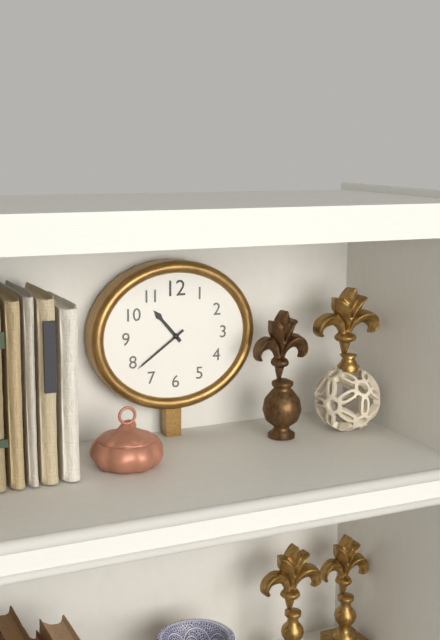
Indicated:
10:39
